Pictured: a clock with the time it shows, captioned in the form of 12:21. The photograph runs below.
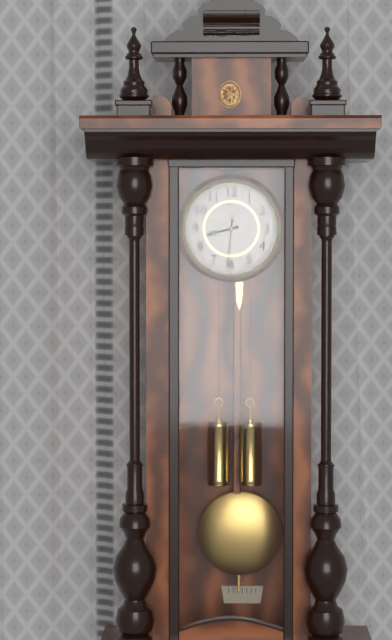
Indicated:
8:31
